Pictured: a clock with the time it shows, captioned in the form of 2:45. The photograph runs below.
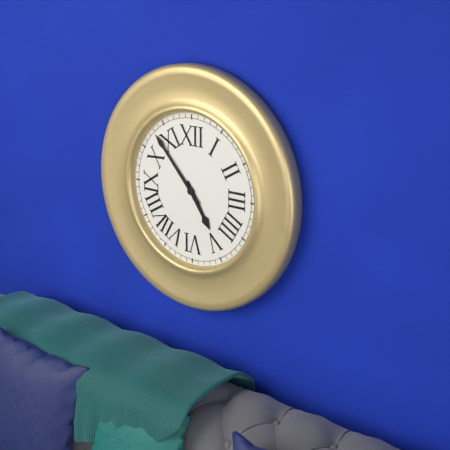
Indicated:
4:53
